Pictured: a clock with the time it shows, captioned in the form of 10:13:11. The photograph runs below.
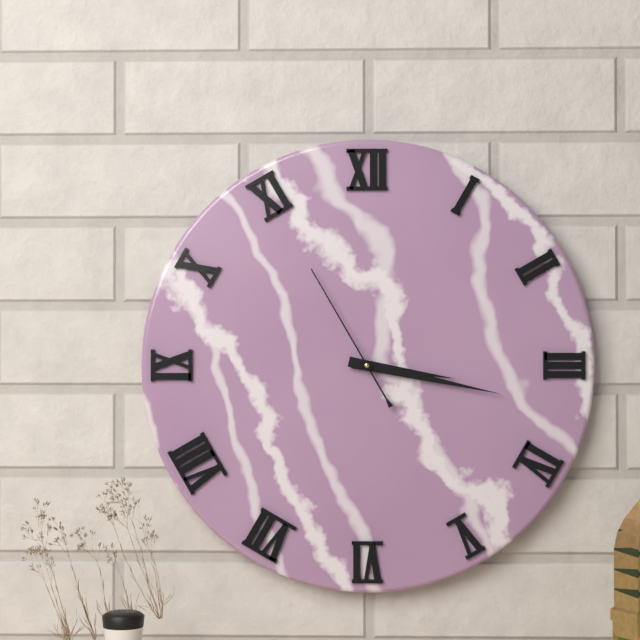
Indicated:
3:17:55
